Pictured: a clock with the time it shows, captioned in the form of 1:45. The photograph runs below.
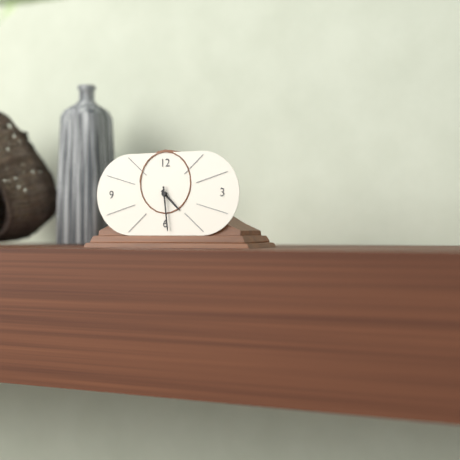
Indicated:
4:29
